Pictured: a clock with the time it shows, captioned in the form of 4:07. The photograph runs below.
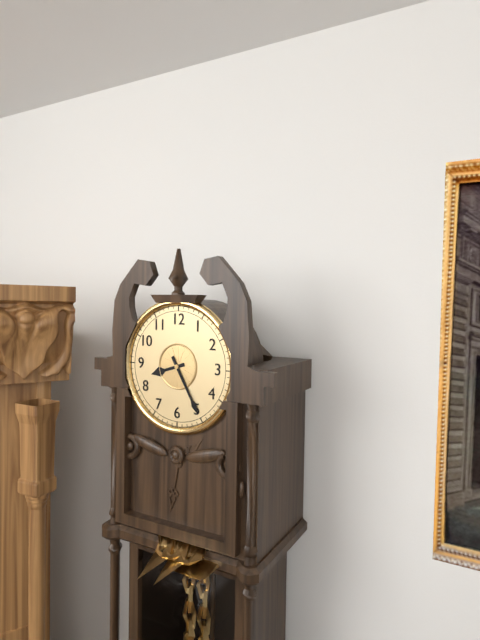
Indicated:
8:25
